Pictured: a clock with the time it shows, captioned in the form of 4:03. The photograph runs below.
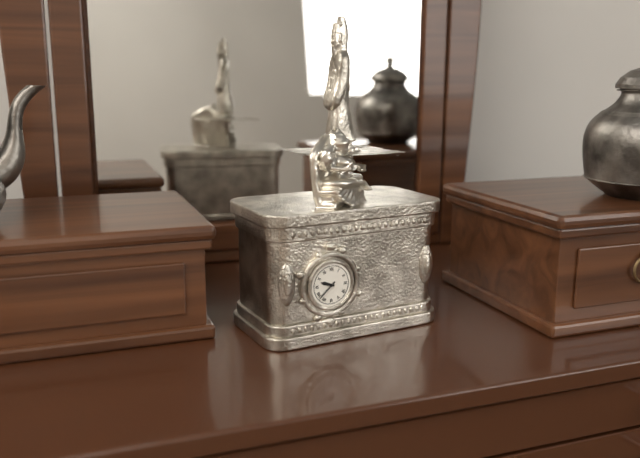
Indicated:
9:38
